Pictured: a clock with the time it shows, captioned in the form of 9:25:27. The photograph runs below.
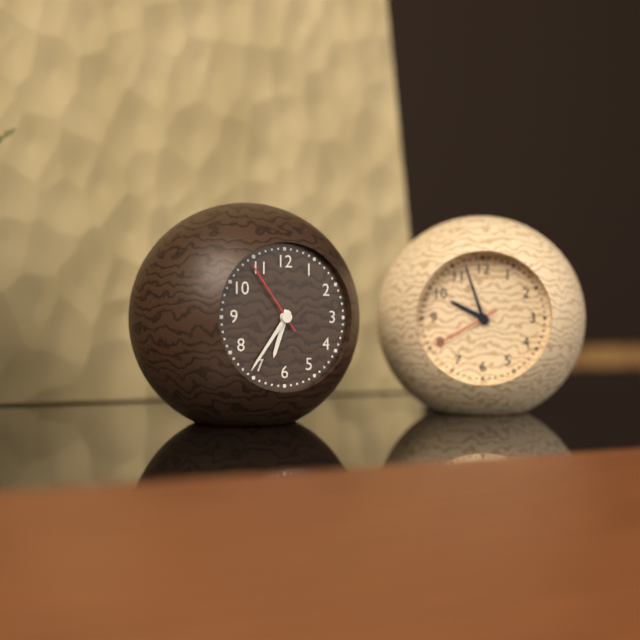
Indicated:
6:36:54
